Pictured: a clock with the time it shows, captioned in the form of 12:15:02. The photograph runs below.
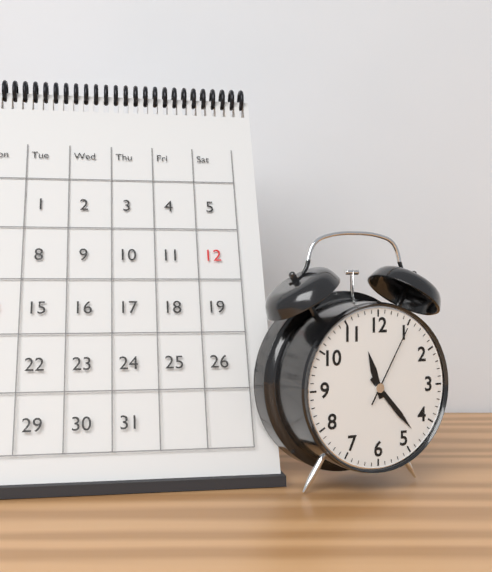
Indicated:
11:23:05
